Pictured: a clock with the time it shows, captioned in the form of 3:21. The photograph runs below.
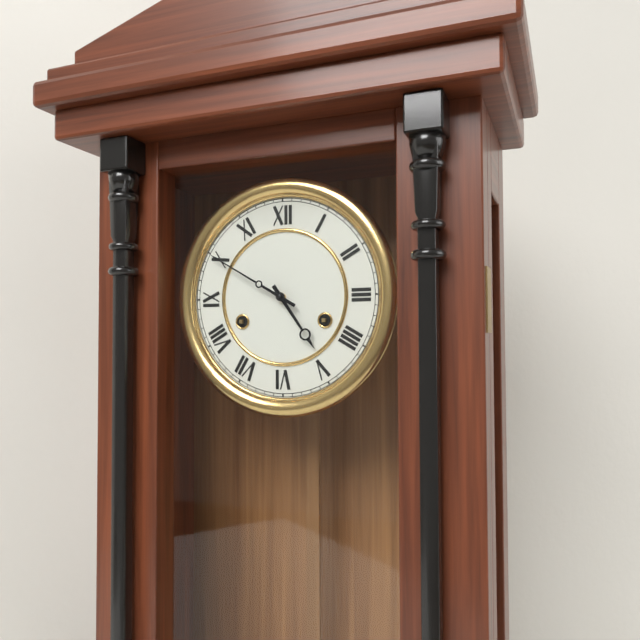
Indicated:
4:50
